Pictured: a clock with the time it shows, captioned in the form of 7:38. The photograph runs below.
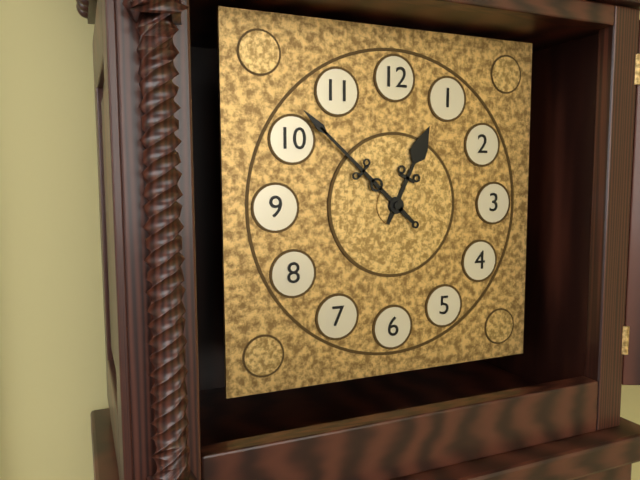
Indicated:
12:52
